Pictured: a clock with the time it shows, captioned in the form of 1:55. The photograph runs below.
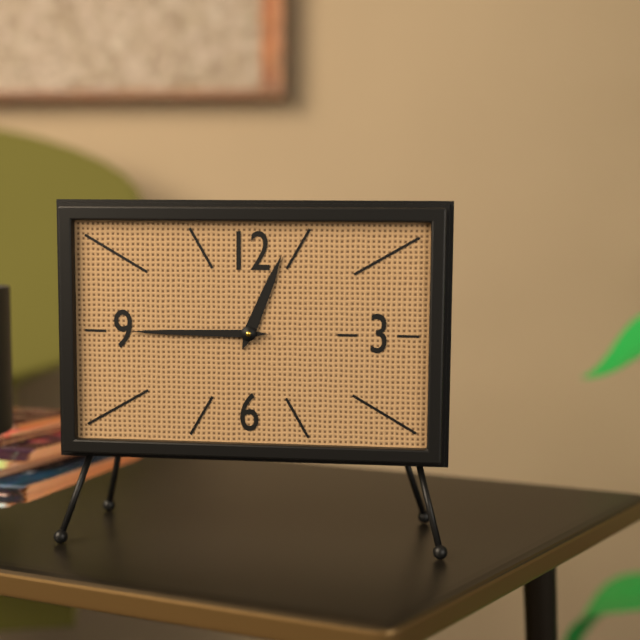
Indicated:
12:45
